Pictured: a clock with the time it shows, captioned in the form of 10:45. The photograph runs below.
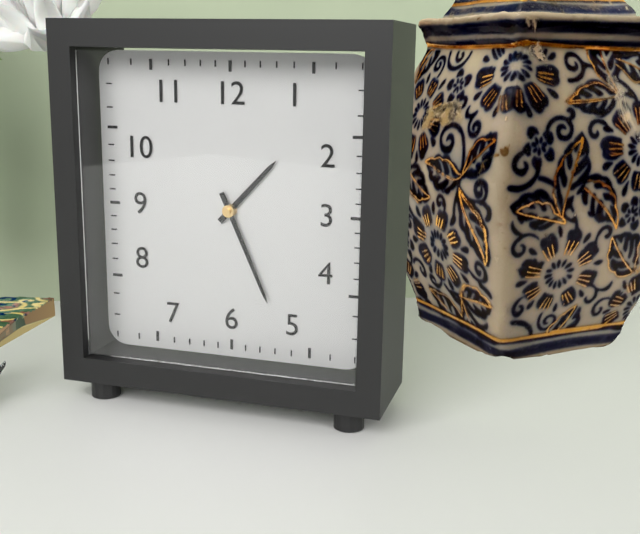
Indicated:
1:26
